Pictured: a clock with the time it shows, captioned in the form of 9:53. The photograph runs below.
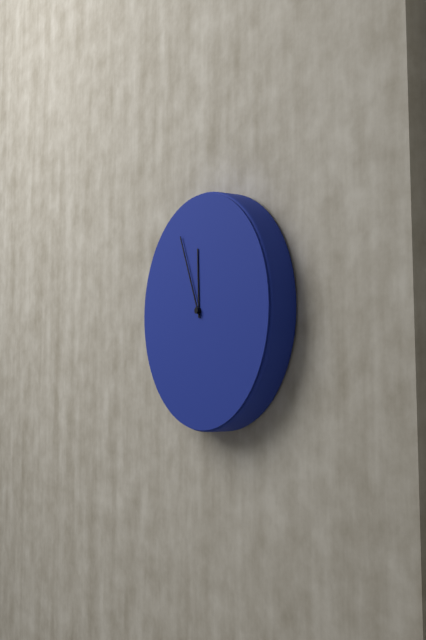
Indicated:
11:56
